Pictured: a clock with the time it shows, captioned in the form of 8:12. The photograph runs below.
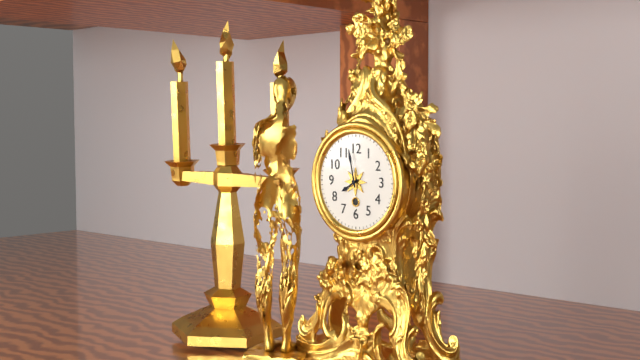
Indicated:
7:58
